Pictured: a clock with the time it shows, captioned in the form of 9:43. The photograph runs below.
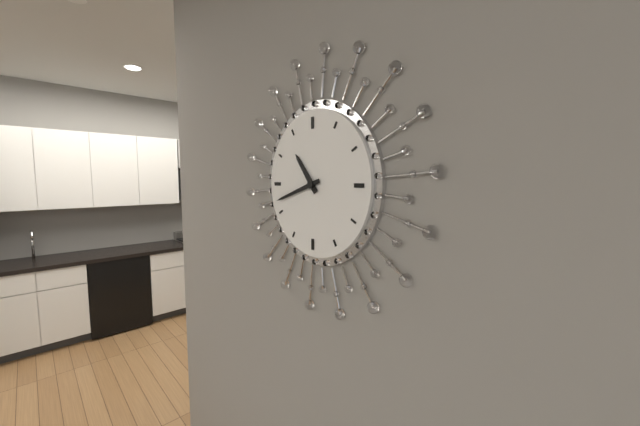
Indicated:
10:42
